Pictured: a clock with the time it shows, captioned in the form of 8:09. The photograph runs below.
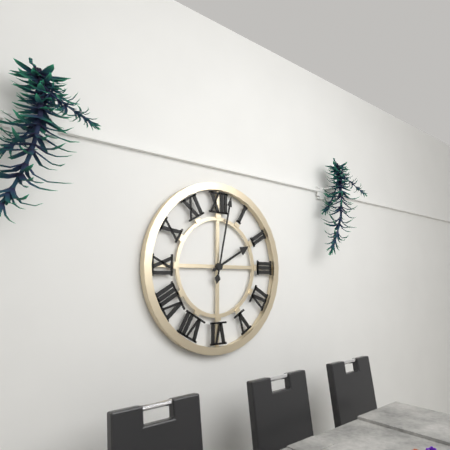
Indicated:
2:02
